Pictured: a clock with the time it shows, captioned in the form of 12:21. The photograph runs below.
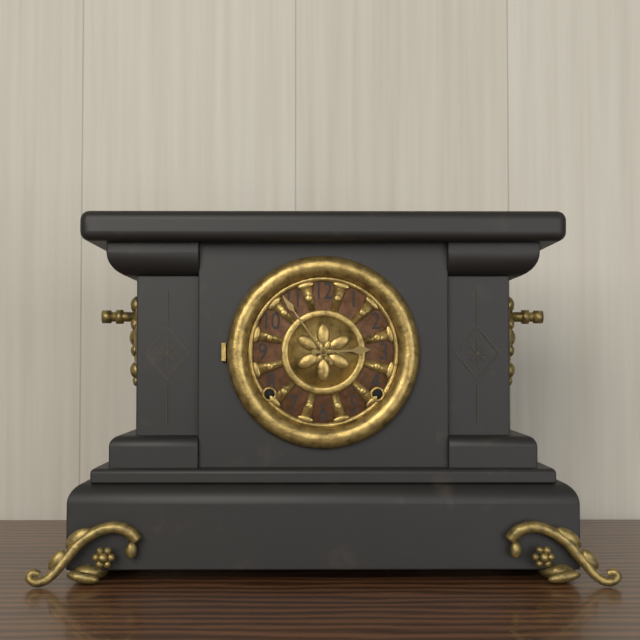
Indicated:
2:54
